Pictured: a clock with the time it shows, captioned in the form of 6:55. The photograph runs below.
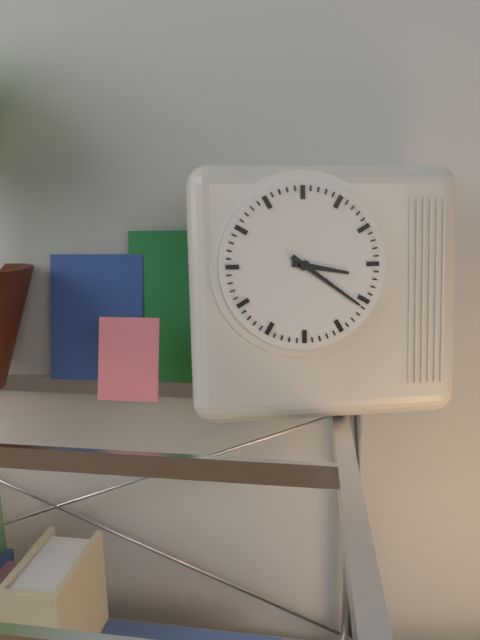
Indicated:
3:21
